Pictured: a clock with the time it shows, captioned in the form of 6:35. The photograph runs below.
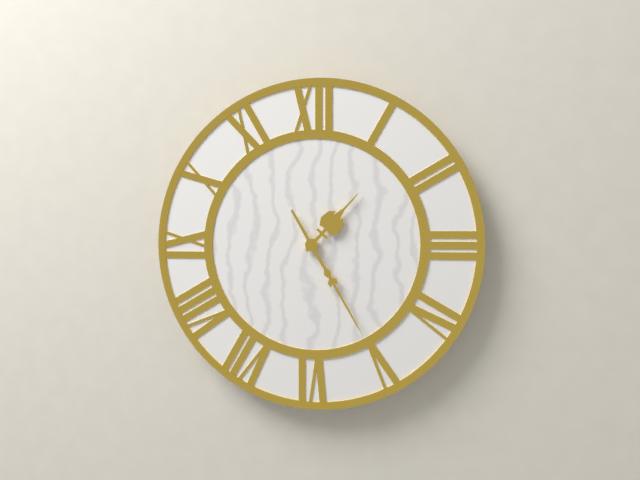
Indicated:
1:25
